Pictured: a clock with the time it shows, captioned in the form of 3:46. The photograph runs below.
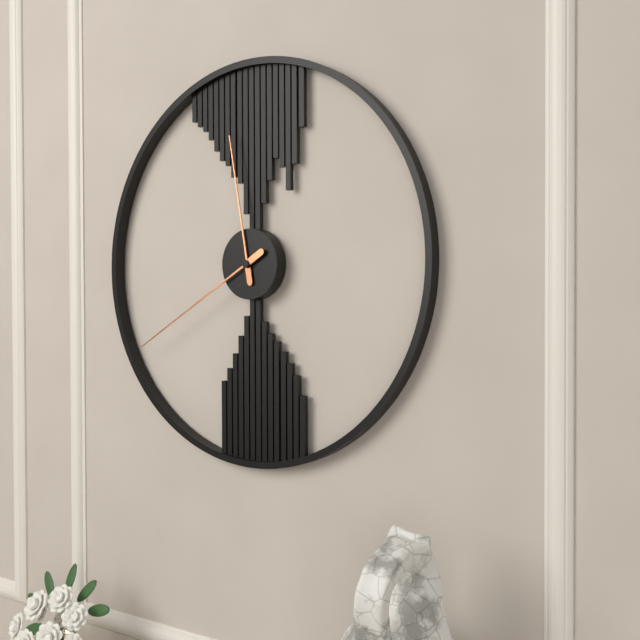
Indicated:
11:40
